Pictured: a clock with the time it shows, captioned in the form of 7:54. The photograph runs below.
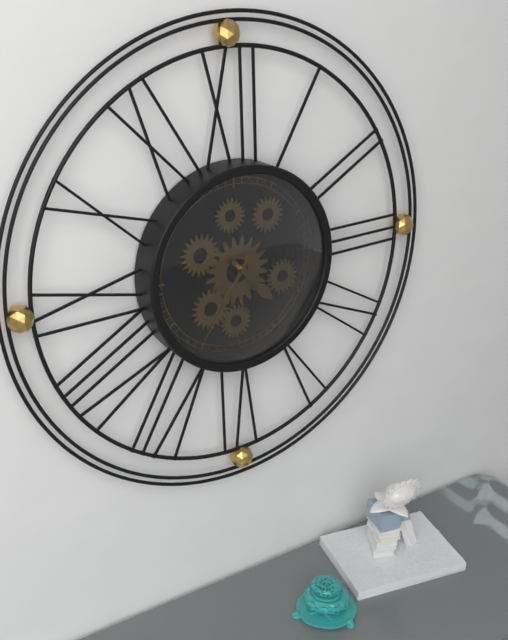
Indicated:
4:36
